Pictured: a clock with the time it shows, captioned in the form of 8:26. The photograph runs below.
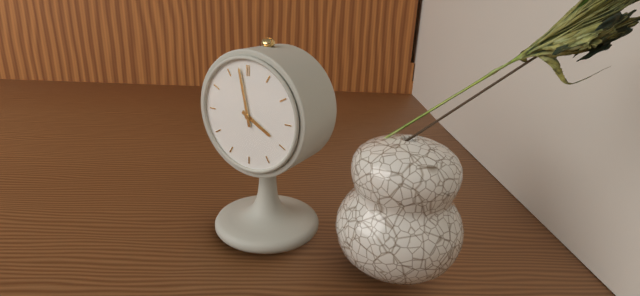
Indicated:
3:58
